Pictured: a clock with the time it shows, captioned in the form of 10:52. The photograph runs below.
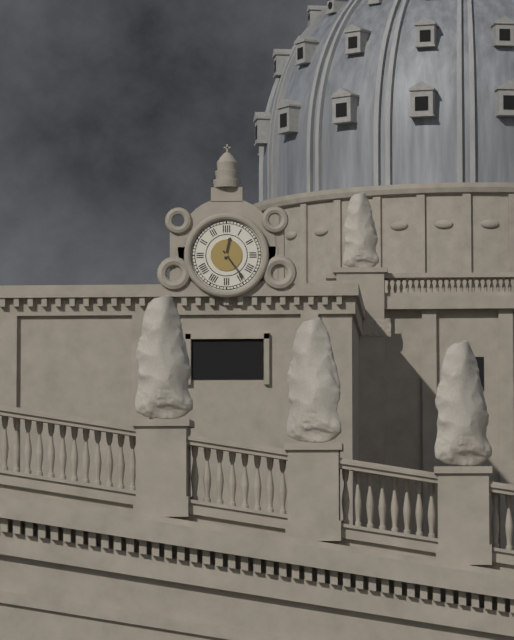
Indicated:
12:24
